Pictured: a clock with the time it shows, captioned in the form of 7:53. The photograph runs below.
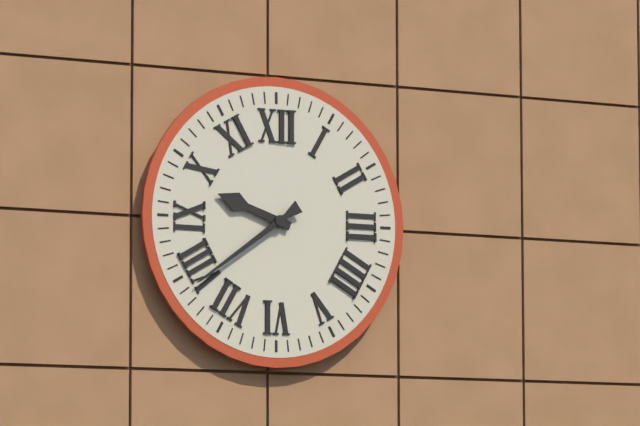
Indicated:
9:39
